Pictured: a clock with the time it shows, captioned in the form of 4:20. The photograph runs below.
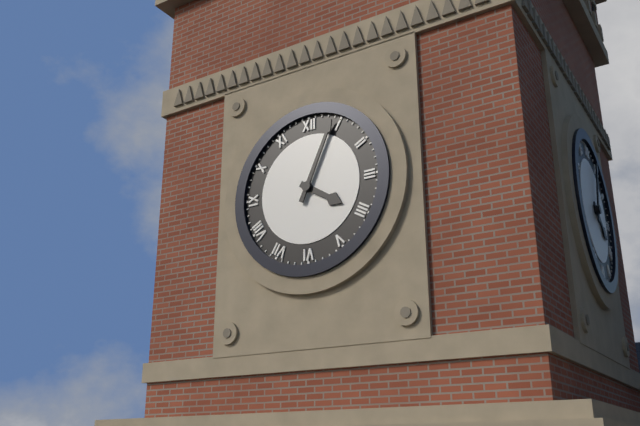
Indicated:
4:04
